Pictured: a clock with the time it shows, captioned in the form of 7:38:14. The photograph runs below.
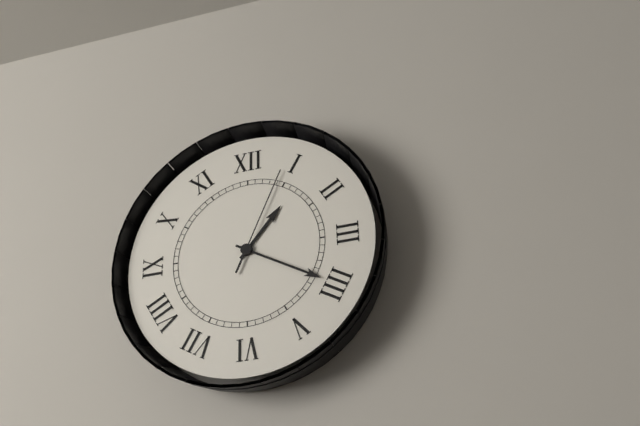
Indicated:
1:20:04
